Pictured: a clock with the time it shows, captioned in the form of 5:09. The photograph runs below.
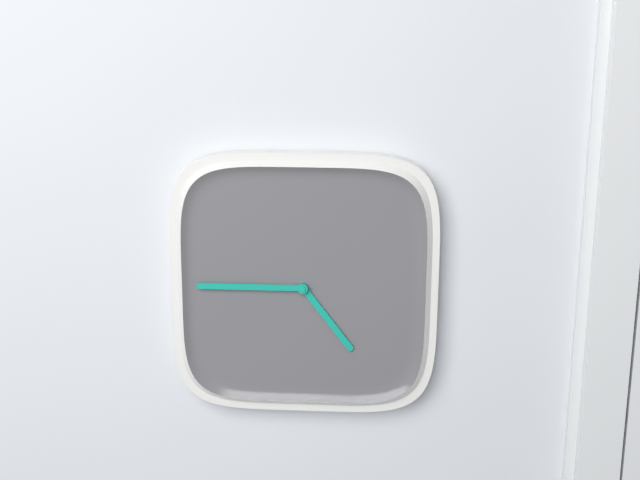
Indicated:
4:45
